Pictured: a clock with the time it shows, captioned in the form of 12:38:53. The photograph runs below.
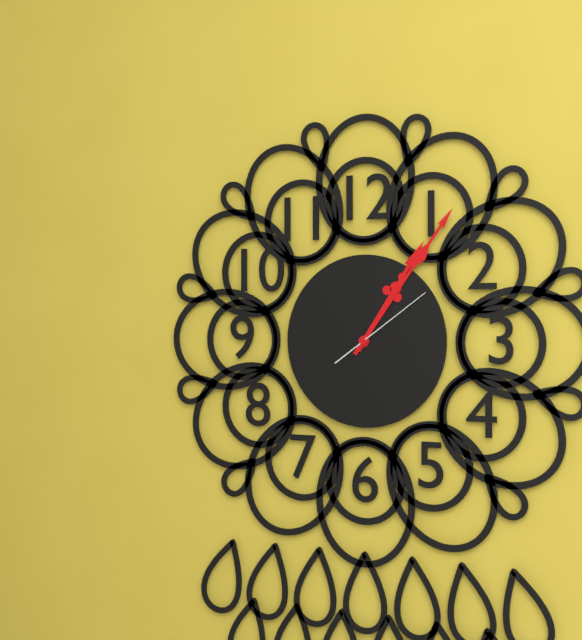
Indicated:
1:06:09
